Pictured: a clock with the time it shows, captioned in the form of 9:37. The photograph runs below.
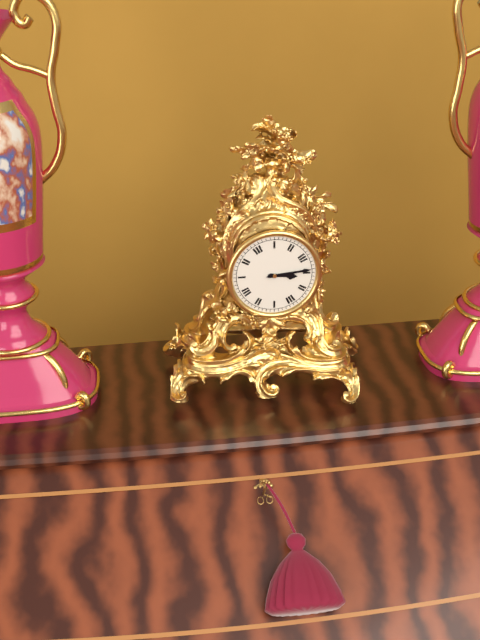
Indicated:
3:14
